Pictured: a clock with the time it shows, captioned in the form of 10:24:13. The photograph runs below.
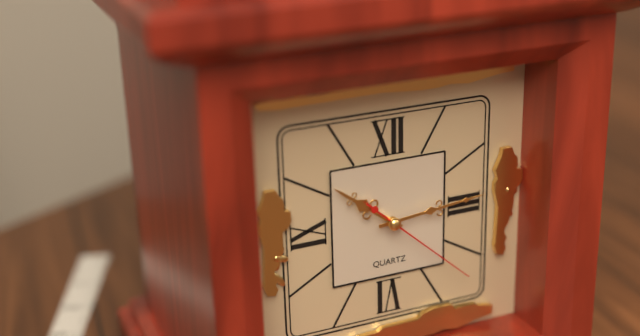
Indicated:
10:14:22
